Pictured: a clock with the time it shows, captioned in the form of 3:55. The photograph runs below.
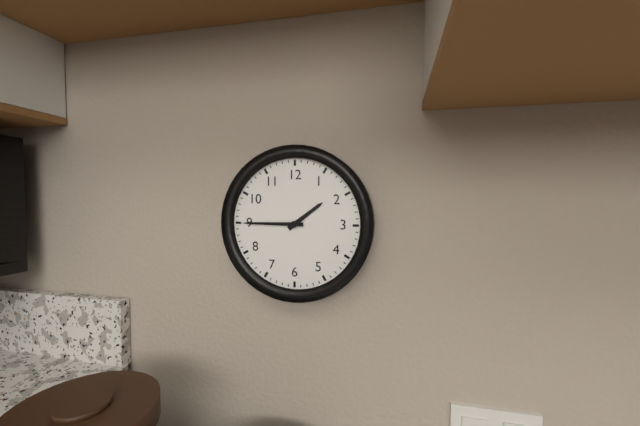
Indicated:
1:45
